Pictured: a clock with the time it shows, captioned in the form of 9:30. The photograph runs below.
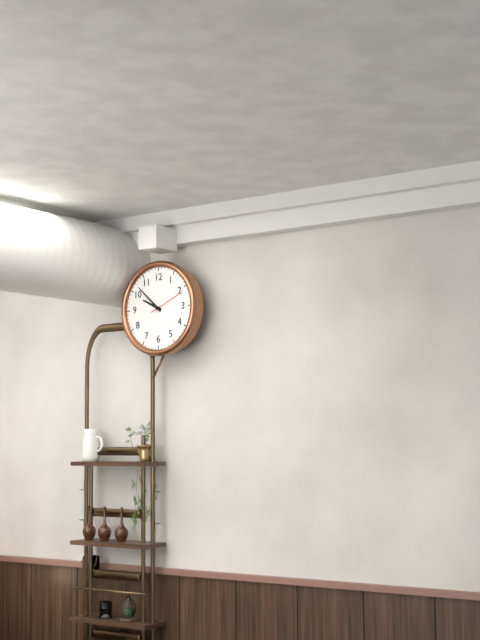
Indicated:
9:52
